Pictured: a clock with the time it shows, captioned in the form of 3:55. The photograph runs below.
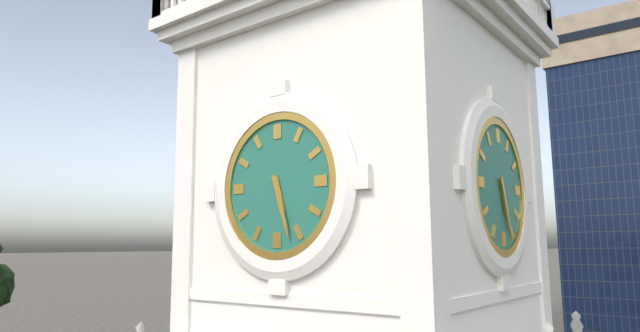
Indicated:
5:27
